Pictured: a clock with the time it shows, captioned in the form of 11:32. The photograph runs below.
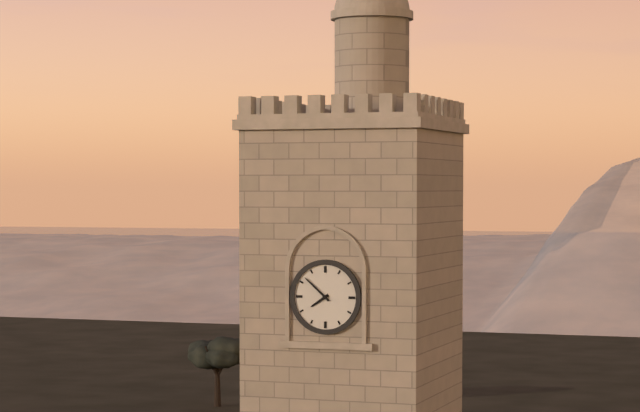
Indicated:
7:52
